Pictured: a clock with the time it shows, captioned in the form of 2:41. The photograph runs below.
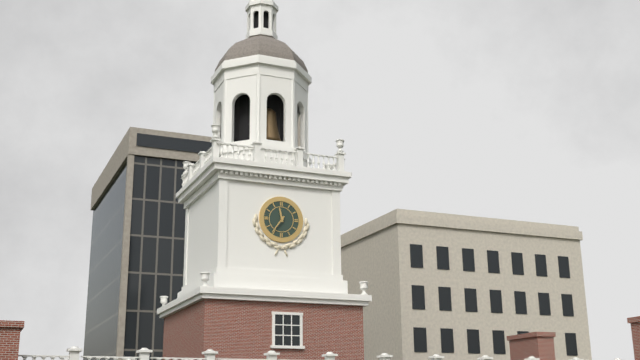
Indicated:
11:36
